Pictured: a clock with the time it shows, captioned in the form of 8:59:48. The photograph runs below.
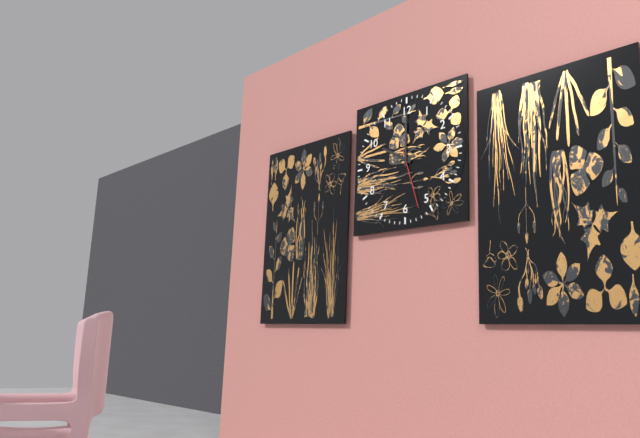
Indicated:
10:00:27
